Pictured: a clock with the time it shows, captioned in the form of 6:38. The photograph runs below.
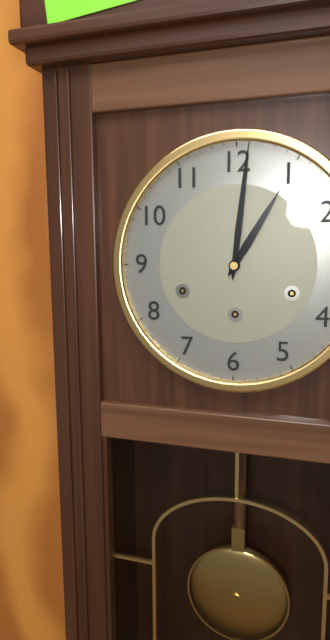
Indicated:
1:01
